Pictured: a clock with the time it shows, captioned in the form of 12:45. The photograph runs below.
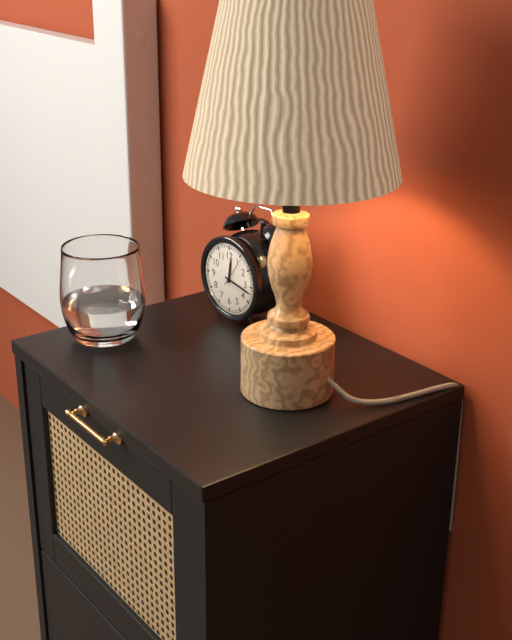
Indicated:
12:17
